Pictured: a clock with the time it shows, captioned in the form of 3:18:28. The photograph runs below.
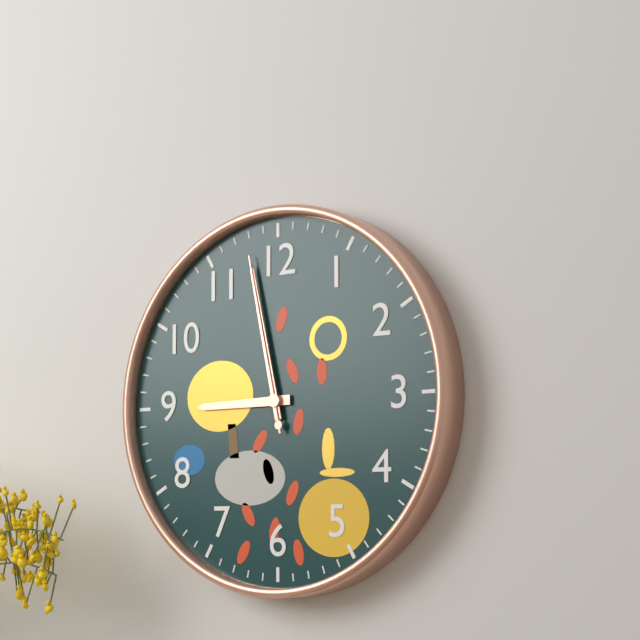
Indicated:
8:58:58
